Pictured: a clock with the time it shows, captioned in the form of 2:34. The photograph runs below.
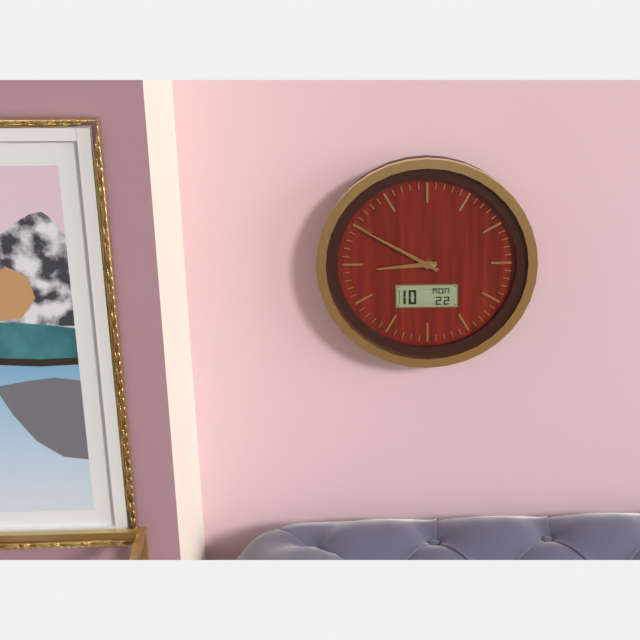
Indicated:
8:50
